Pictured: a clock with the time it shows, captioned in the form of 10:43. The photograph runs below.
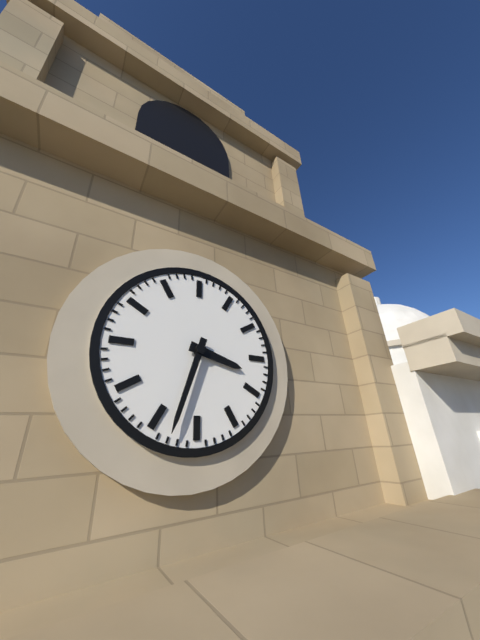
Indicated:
3:33
